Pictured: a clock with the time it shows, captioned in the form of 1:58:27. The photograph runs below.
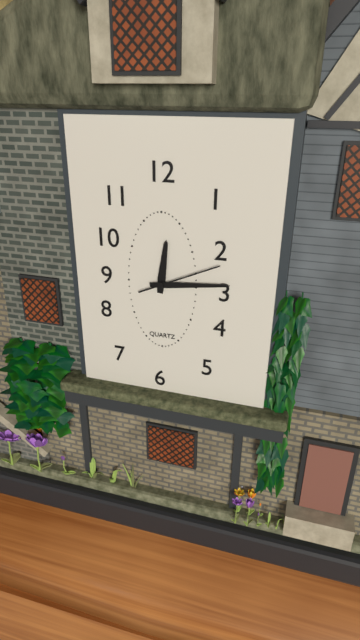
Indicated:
12:14:11
